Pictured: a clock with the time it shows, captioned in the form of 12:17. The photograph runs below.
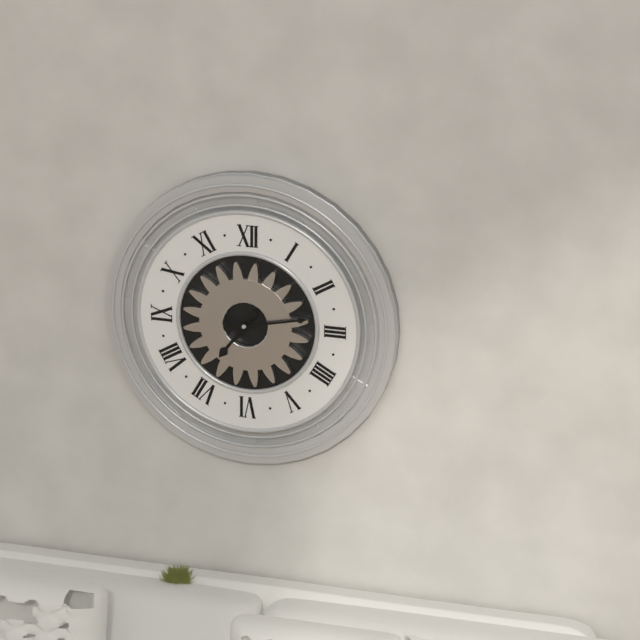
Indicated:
7:13
